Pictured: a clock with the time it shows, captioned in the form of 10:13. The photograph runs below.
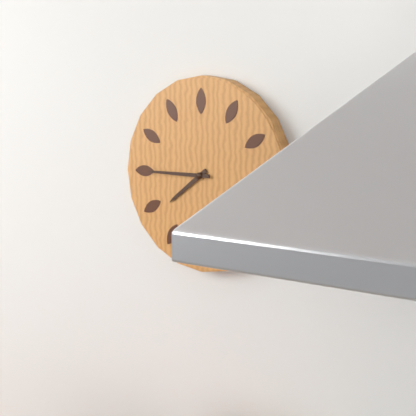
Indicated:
7:45
